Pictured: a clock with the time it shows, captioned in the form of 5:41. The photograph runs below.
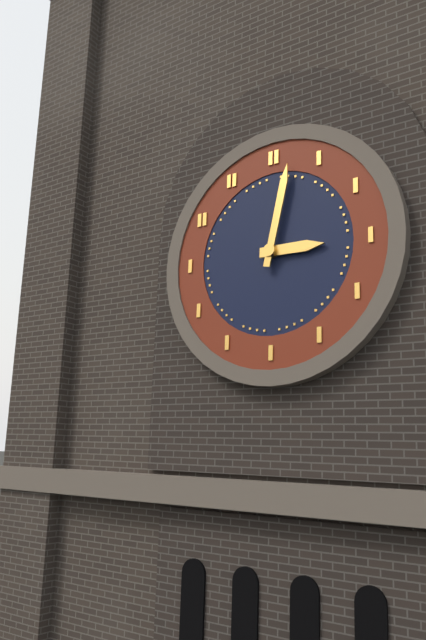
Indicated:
3:02
